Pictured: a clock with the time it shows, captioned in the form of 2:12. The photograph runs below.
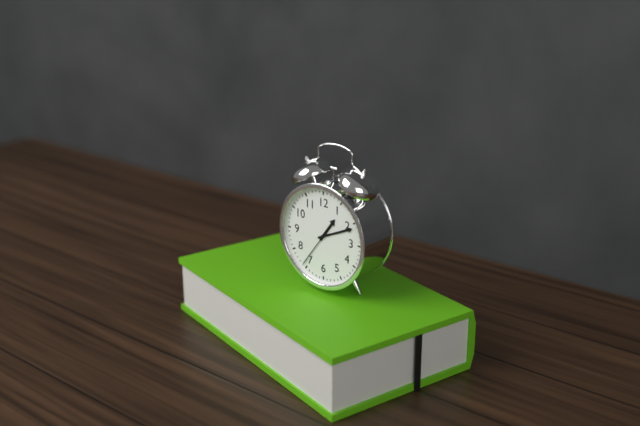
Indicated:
1:11
